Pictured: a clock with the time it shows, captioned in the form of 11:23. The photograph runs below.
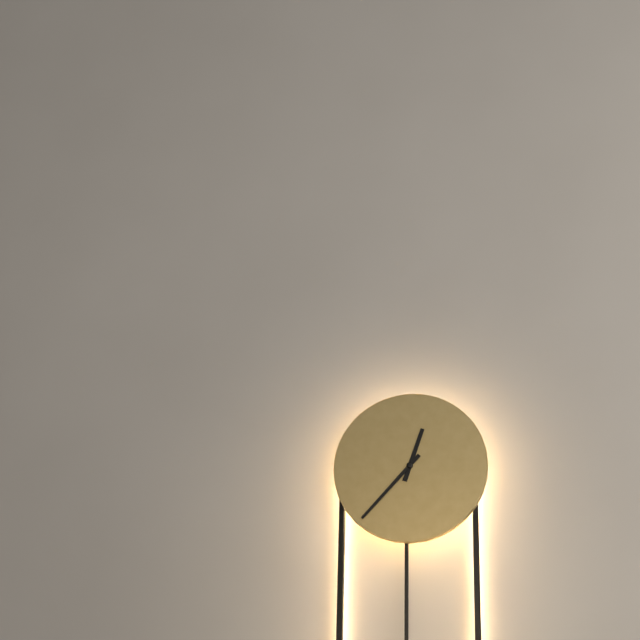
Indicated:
12:37
